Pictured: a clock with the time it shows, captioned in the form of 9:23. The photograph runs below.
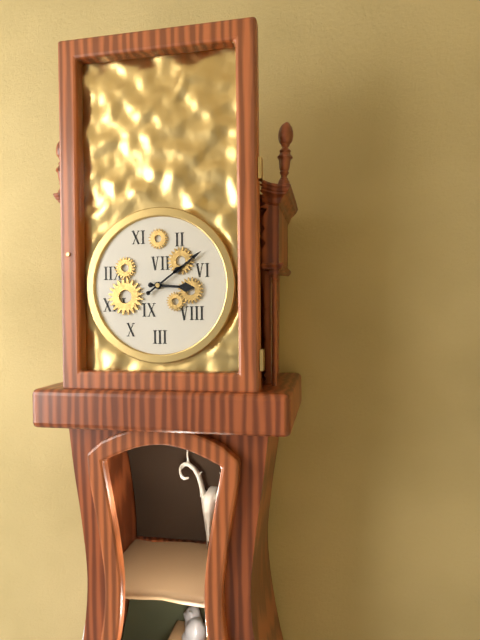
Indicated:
3:09
